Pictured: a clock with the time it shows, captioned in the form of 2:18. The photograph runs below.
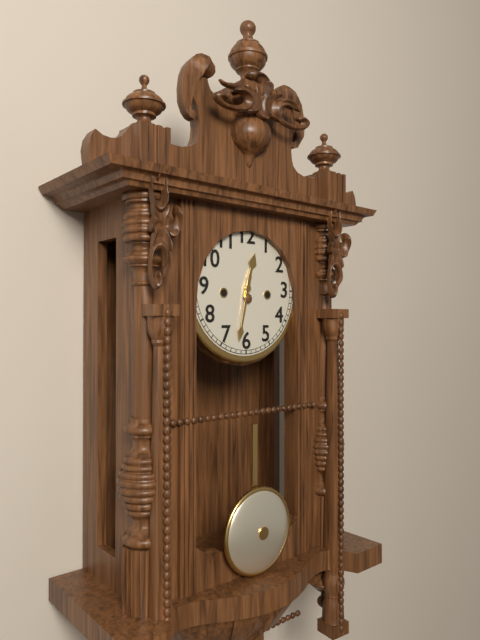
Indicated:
12:32
